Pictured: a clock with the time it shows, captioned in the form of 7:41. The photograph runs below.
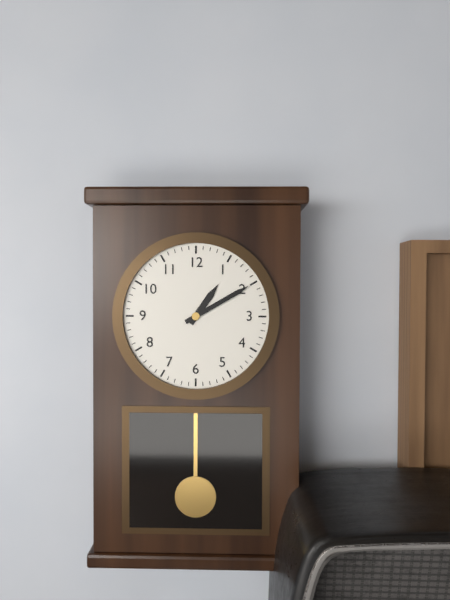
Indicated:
1:10
